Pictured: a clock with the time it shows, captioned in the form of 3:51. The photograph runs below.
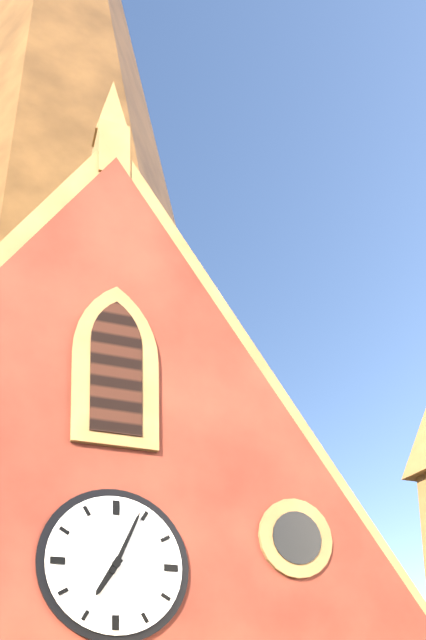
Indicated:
7:04
